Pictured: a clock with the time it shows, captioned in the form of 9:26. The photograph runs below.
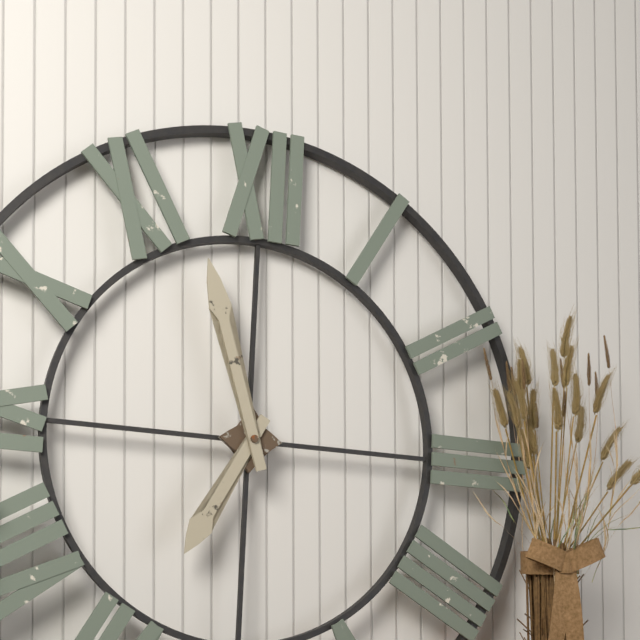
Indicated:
6:57
